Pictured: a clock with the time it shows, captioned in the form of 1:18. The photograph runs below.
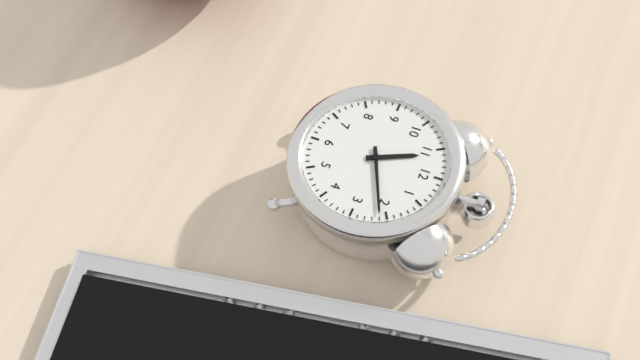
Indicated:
11:11
